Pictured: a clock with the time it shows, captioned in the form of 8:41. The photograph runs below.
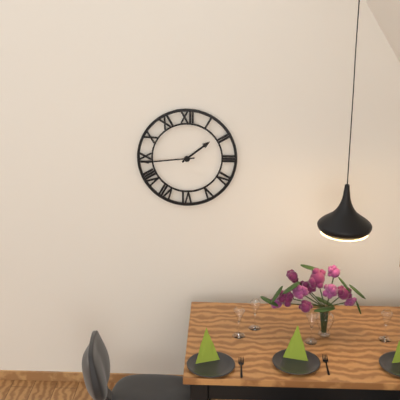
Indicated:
1:44
